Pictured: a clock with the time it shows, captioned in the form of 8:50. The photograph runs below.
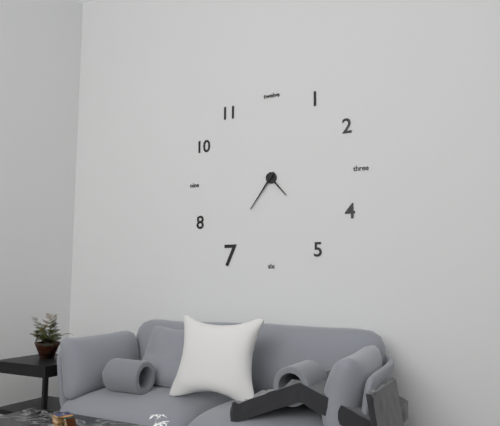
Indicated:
4:36
